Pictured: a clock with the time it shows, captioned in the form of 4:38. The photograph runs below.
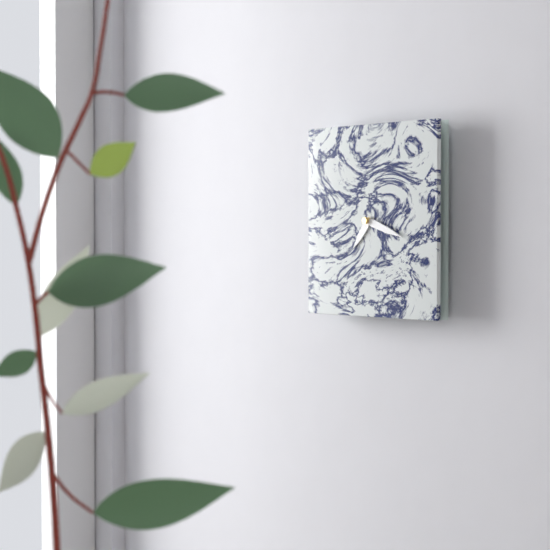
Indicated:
7:18
